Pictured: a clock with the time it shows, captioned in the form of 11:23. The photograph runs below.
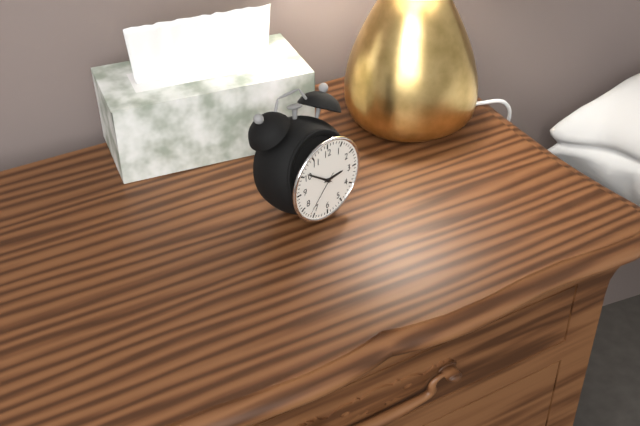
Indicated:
2:51
